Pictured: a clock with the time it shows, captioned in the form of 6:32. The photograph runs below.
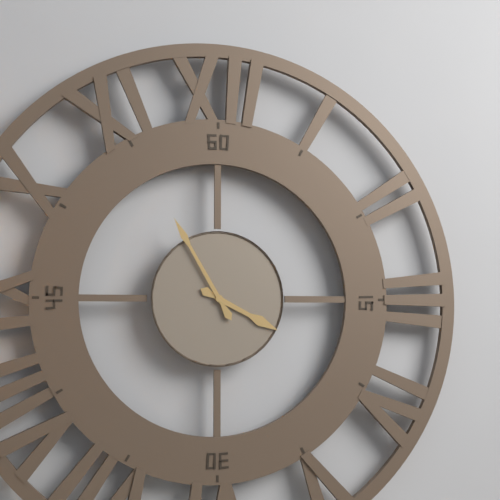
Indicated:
3:55
